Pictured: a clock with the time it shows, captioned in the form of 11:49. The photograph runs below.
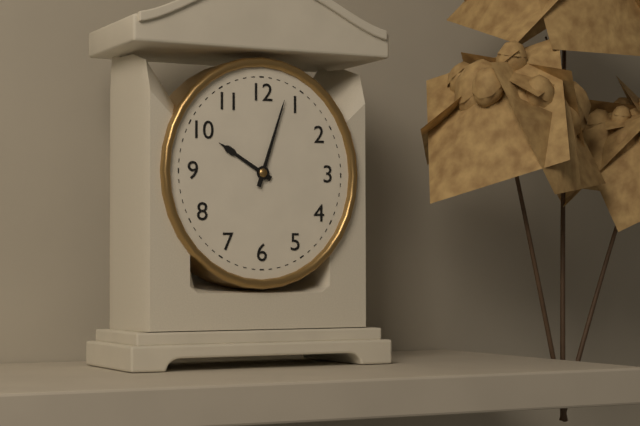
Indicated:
10:03
